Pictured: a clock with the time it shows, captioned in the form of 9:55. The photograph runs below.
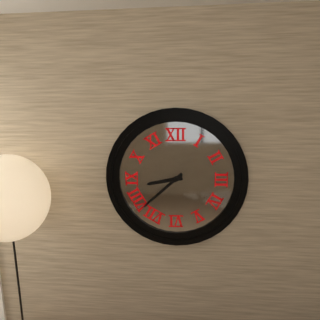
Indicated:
8:38
